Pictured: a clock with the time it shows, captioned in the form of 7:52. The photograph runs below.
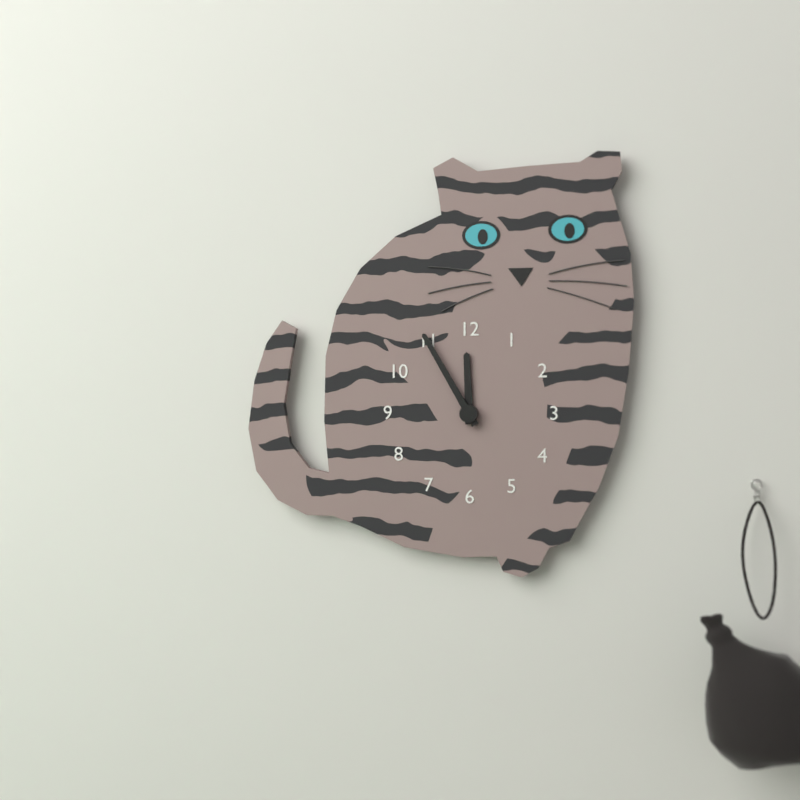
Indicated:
11:55
